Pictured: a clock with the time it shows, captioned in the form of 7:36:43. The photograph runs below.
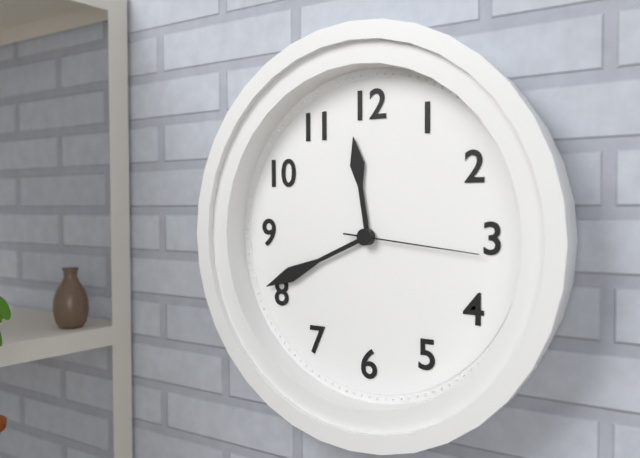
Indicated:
11:41:16
